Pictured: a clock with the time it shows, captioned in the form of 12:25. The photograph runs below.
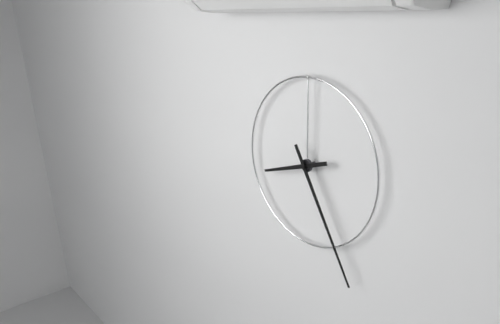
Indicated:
8:25
